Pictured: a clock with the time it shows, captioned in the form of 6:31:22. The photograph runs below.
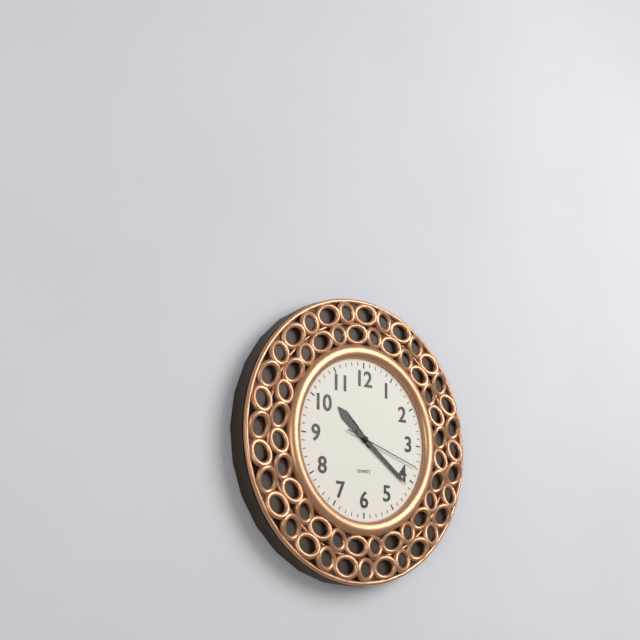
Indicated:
10:21:18
